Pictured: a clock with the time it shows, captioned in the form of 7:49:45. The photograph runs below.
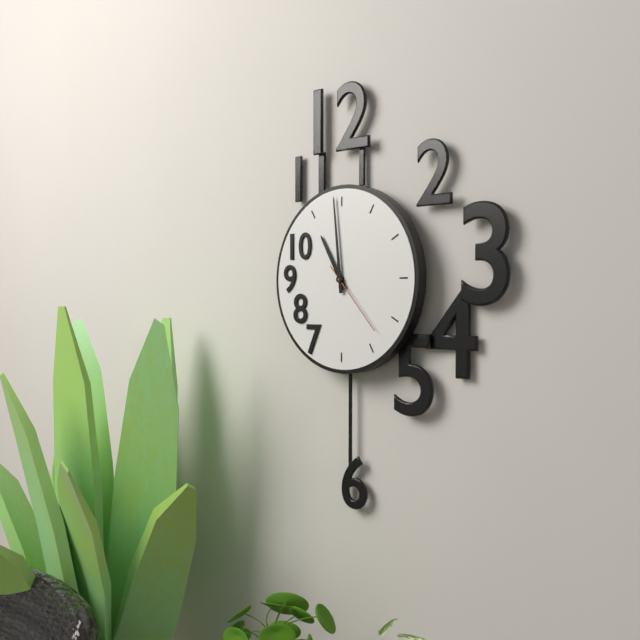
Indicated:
10:59:23
